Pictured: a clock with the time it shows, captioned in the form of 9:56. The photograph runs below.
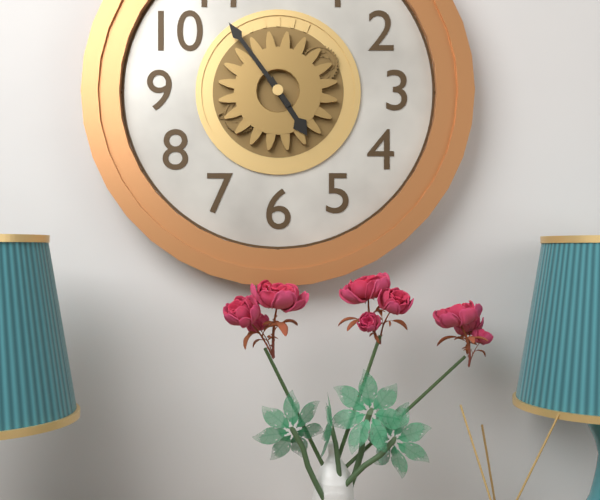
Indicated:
4:54
